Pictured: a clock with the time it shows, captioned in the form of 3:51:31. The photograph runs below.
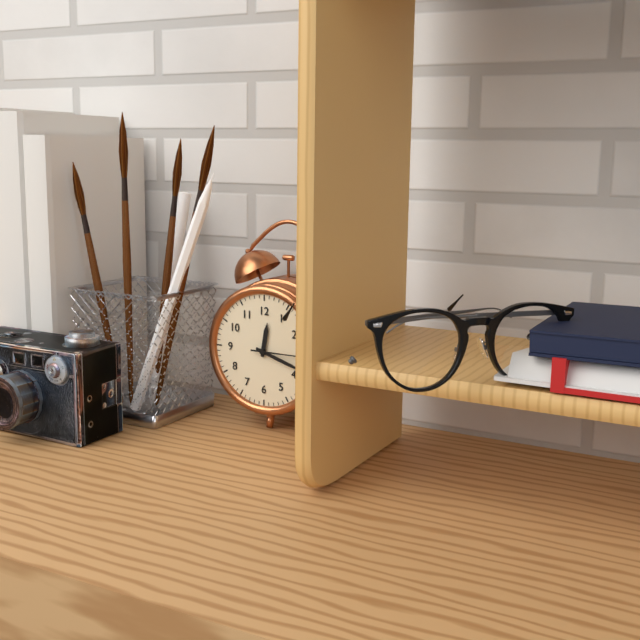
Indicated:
12:18:15
